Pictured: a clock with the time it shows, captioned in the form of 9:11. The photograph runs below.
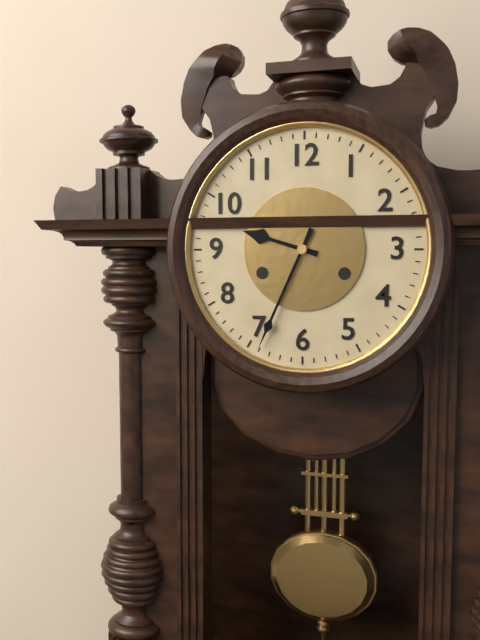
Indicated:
9:34
